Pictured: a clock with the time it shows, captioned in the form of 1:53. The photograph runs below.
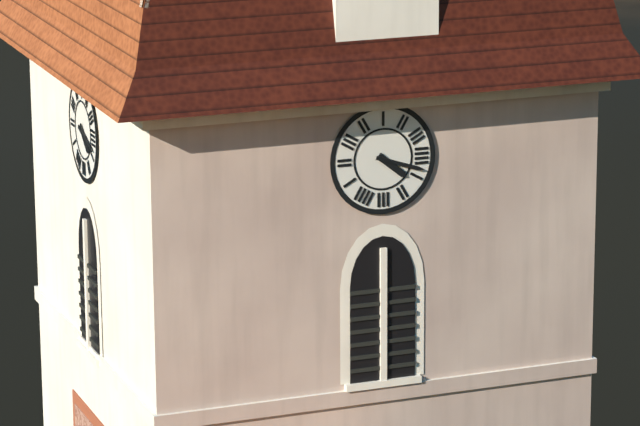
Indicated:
4:18
